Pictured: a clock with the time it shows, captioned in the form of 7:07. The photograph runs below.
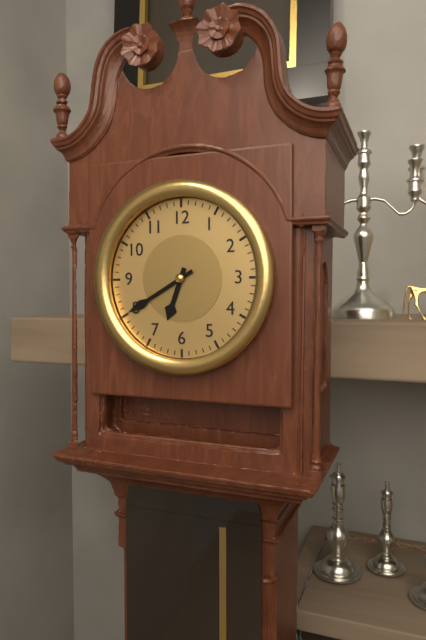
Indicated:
6:40
